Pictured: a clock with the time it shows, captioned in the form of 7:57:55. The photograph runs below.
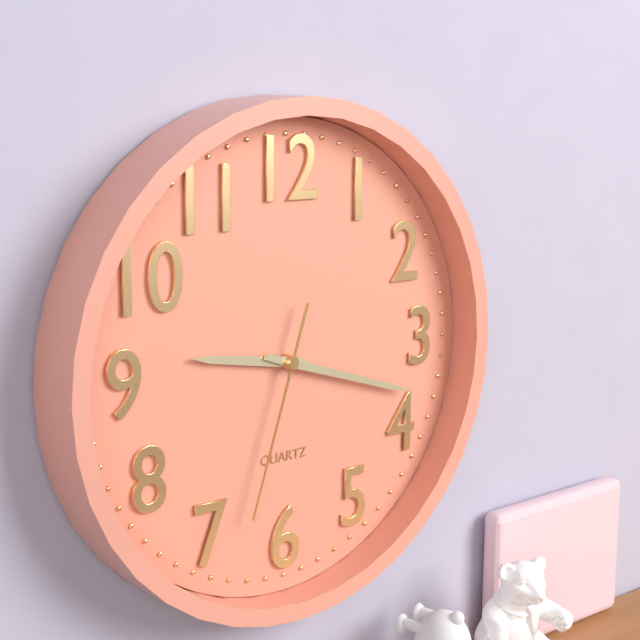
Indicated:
9:18:33
